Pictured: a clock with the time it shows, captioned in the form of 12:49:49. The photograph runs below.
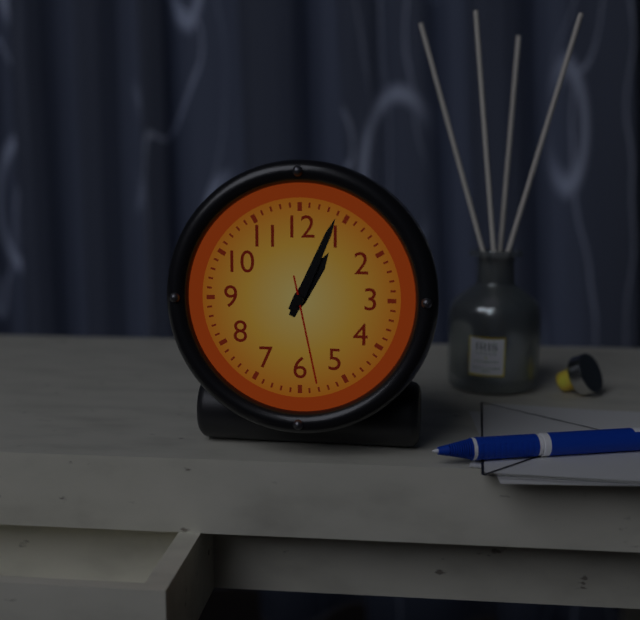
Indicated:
1:04:28
